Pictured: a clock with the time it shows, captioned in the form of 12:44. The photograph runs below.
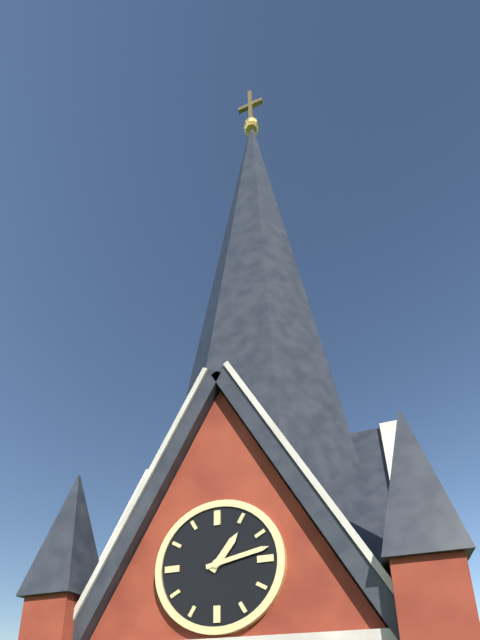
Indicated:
1:13
